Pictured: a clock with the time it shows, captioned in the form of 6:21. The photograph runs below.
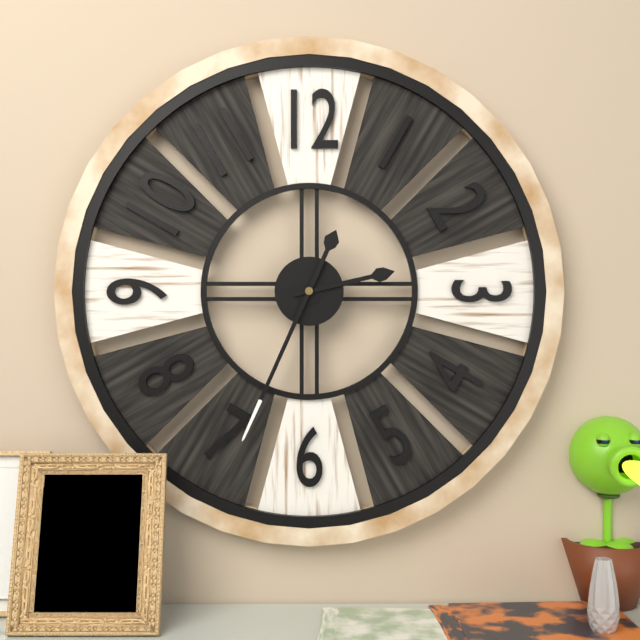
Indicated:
2:34
